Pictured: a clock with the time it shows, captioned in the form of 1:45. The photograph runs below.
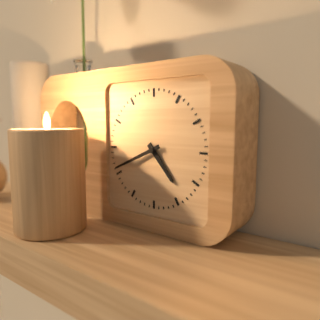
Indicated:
4:41
